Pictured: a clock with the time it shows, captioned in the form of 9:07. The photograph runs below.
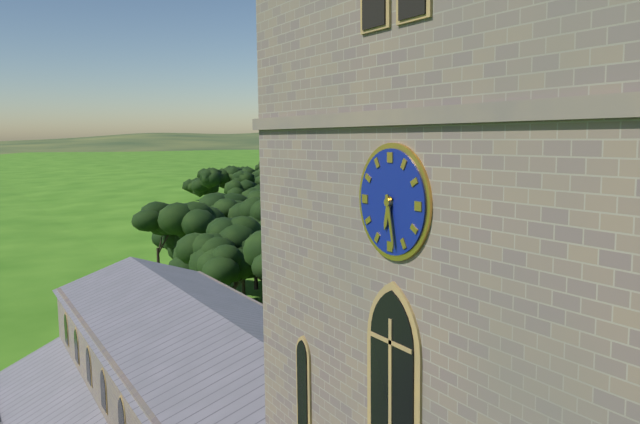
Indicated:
6:28
